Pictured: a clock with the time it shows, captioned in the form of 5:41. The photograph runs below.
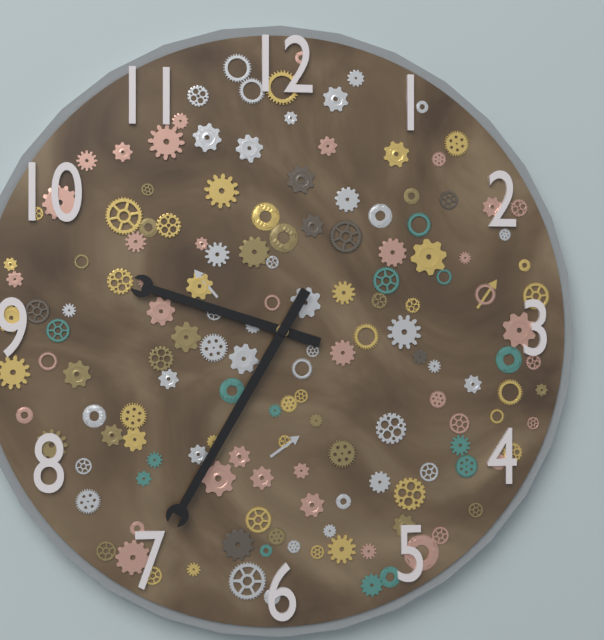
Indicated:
9:35
